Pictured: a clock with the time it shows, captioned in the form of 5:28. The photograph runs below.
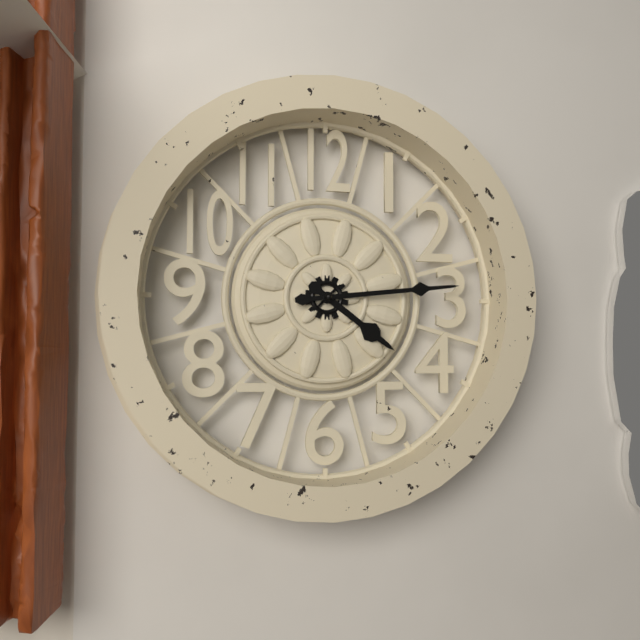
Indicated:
4:14
